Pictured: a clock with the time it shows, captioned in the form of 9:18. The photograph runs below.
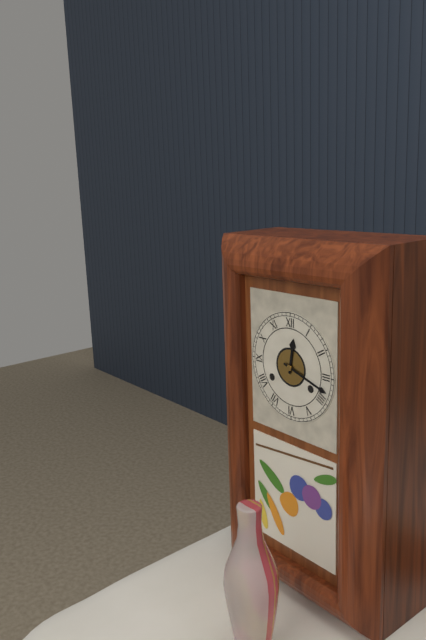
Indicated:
12:18
